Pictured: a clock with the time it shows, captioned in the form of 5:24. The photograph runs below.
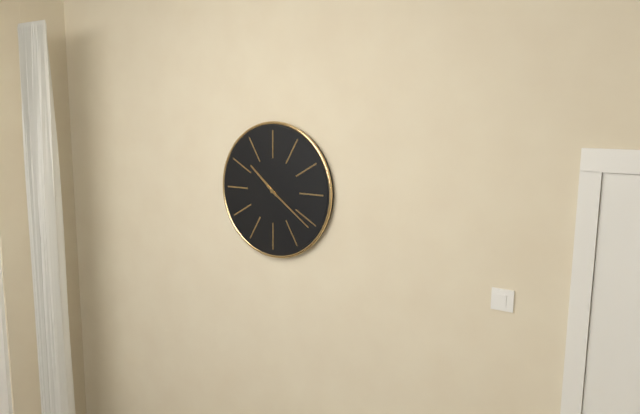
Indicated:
10:21
